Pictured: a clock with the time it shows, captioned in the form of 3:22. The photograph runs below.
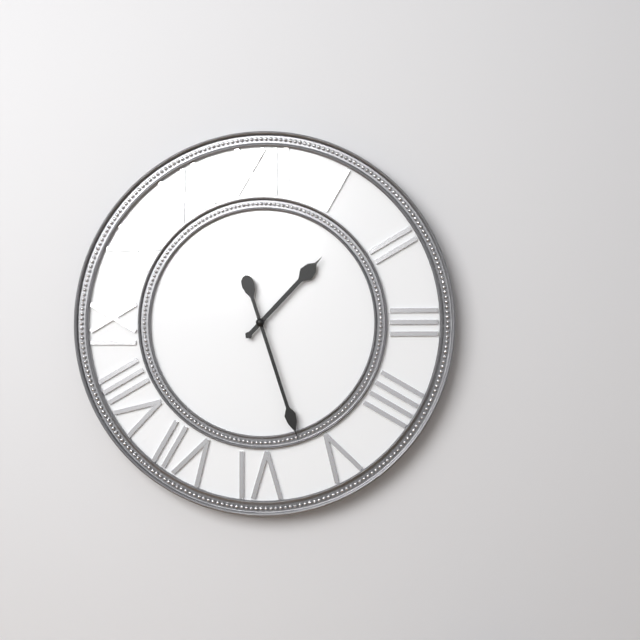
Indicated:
1:27
